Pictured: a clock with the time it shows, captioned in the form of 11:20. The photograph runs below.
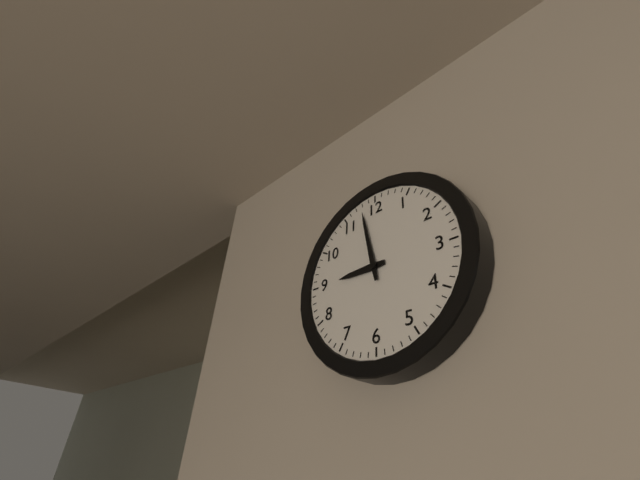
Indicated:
8:58
